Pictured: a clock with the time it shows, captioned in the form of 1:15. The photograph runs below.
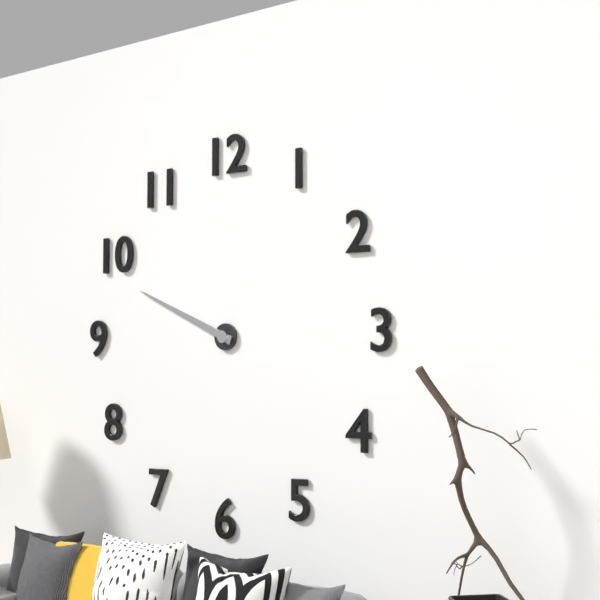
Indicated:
9:49
